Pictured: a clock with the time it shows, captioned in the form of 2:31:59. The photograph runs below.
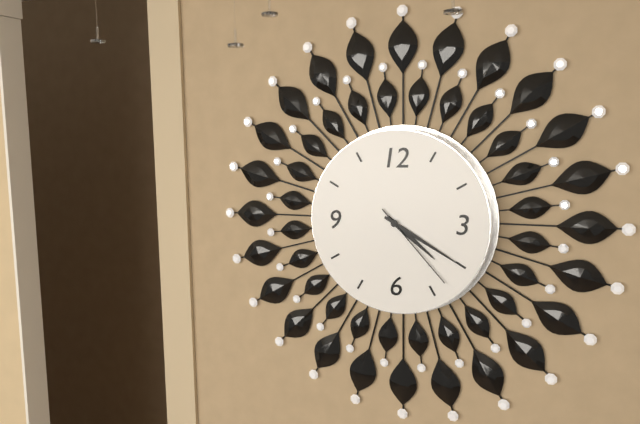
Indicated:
4:20:23
